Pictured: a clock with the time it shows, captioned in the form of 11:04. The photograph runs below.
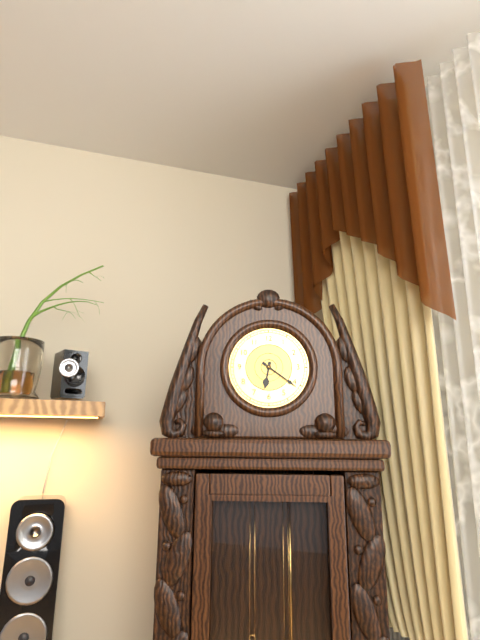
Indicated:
6:21
